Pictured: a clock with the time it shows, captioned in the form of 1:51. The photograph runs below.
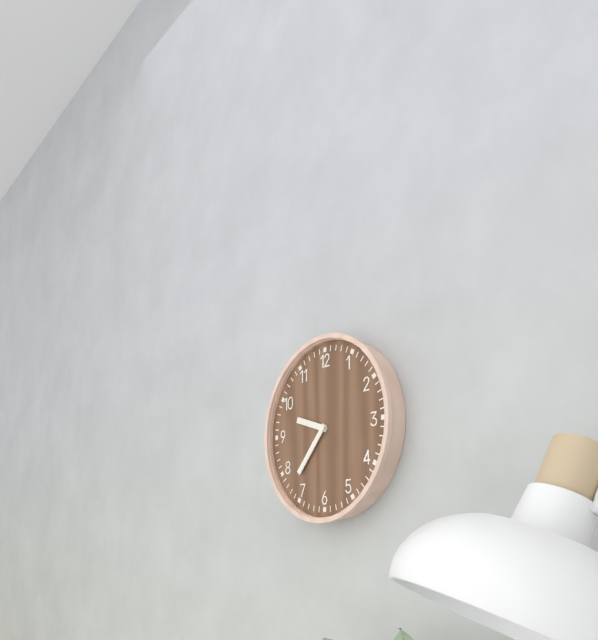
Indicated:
9:37
